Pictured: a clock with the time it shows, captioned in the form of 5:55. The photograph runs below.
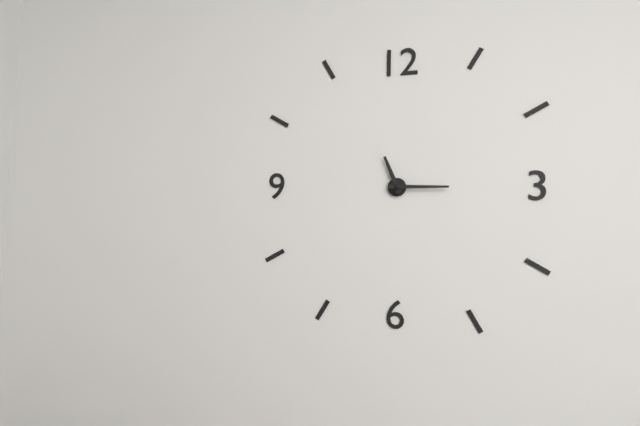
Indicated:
11:15
